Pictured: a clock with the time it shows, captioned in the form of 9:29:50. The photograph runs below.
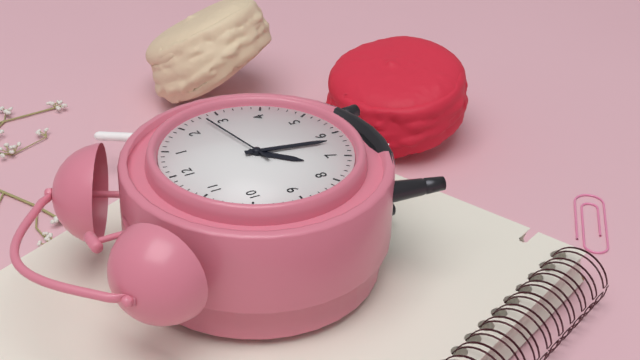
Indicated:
7:32:13
